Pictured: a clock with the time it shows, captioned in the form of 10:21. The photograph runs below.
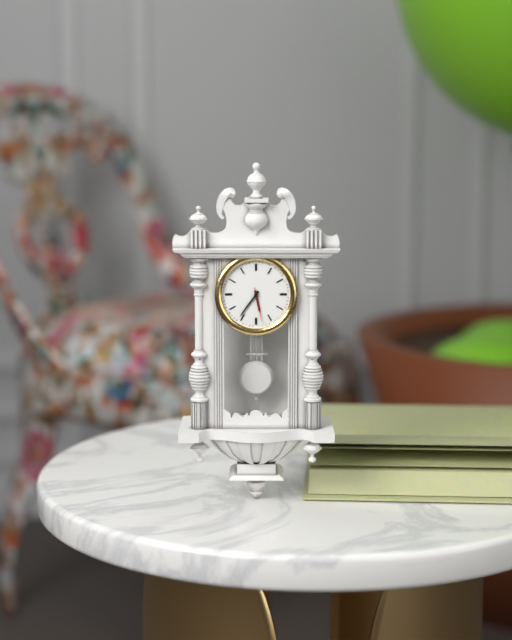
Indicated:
5:36
